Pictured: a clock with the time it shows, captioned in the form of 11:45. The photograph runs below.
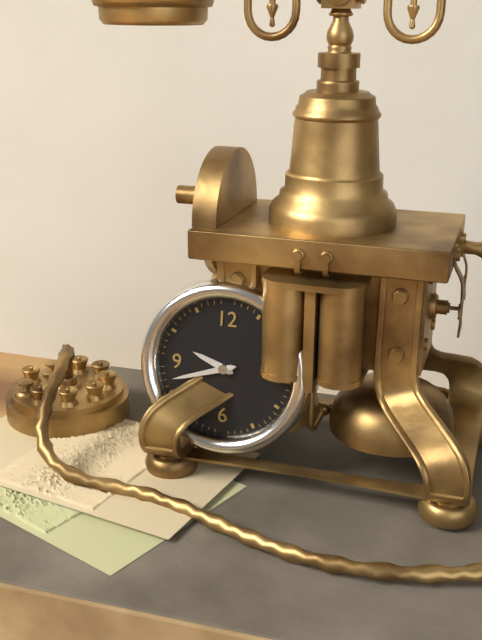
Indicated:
9:42
